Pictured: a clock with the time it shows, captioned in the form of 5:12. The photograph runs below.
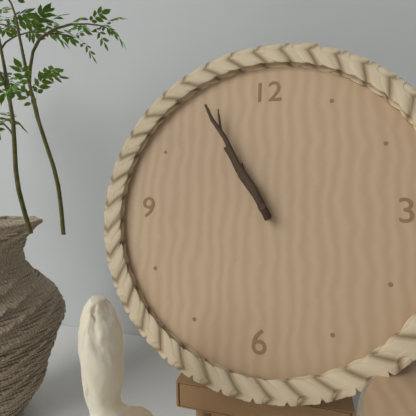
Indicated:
10:55
